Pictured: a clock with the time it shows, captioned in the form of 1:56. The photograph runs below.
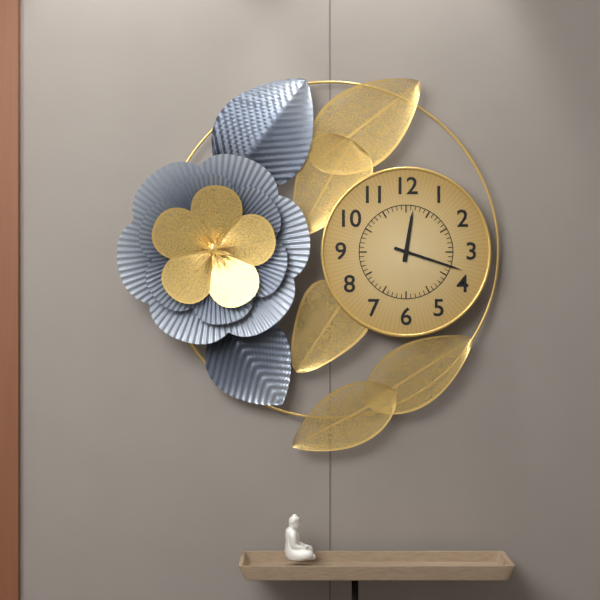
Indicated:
12:18
